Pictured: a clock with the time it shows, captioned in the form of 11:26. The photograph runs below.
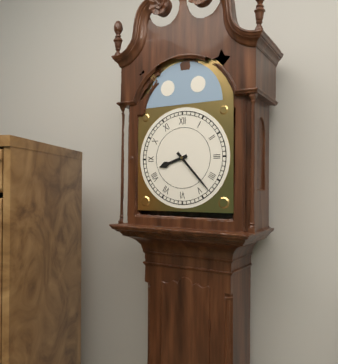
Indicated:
8:23
